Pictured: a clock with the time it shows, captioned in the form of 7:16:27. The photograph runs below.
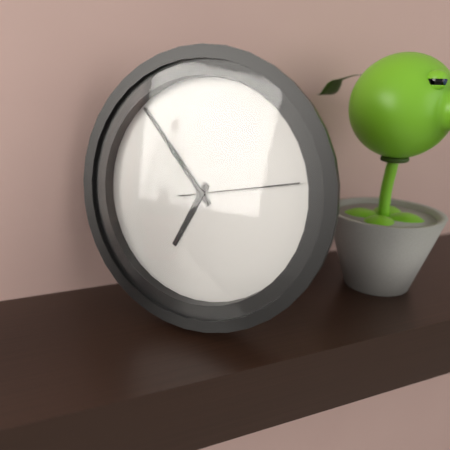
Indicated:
6:53:13
